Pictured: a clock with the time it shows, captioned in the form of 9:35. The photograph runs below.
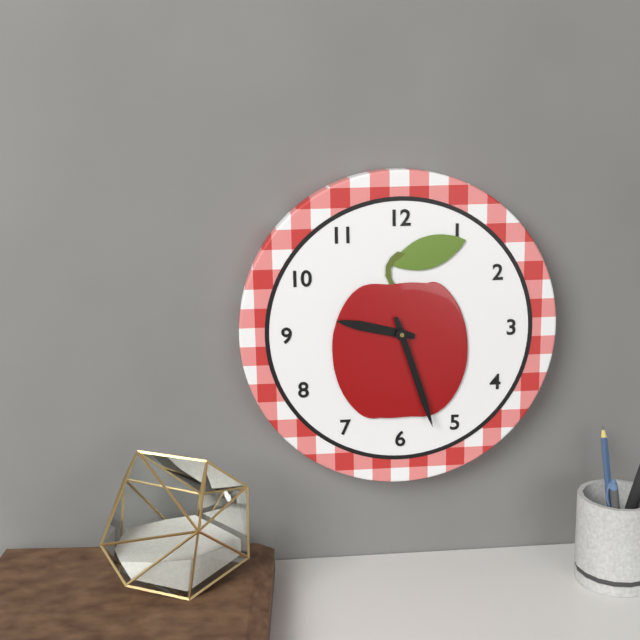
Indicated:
9:27
